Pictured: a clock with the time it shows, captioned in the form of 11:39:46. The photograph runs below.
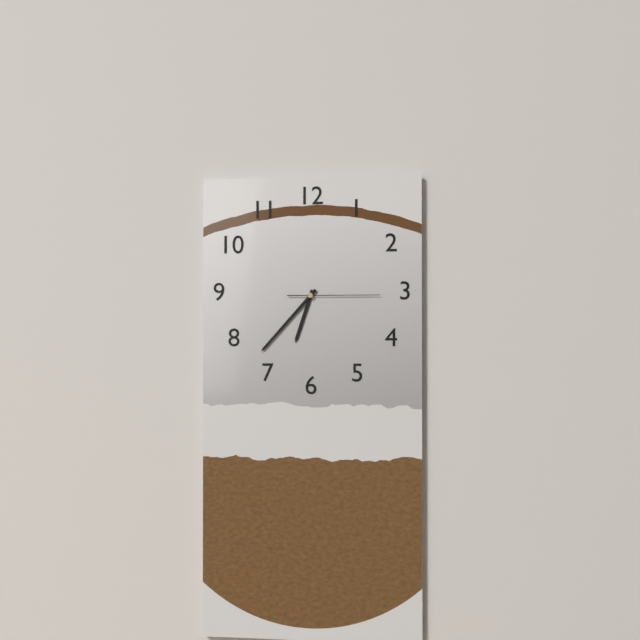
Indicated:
6:37:15
